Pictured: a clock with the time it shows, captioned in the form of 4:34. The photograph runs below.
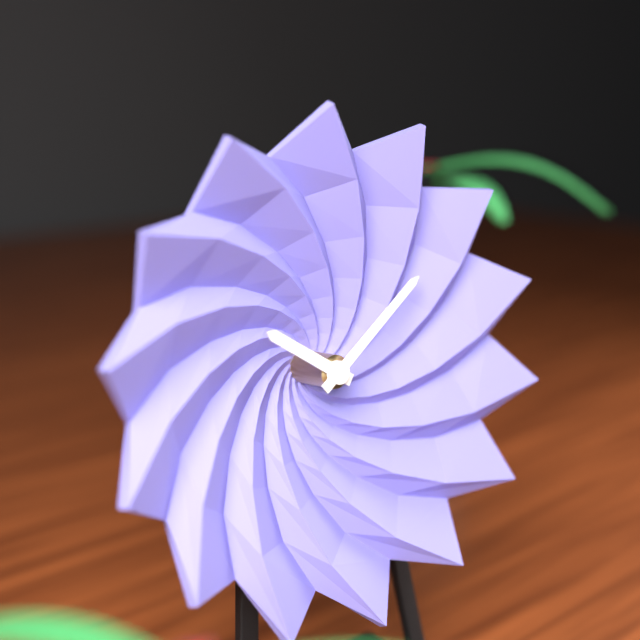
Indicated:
10:09
